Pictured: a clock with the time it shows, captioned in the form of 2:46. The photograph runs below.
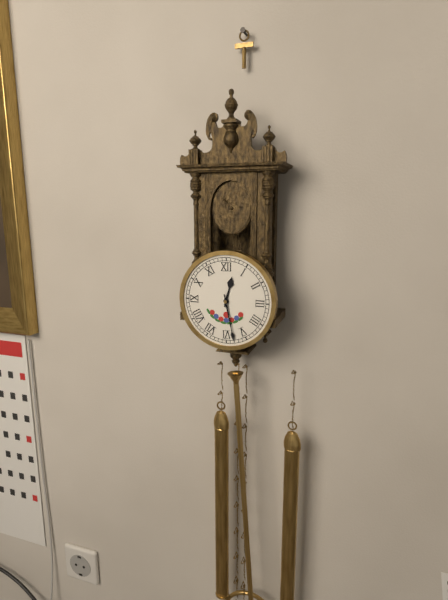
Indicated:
12:28
